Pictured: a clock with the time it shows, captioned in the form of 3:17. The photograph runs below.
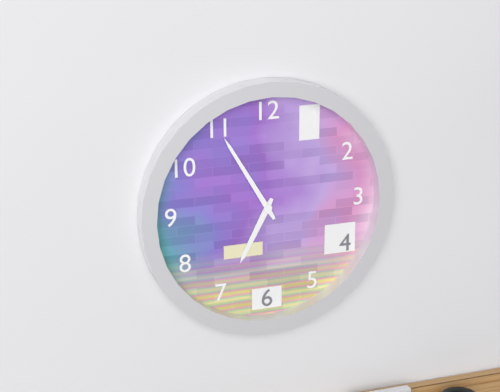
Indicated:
6:55
